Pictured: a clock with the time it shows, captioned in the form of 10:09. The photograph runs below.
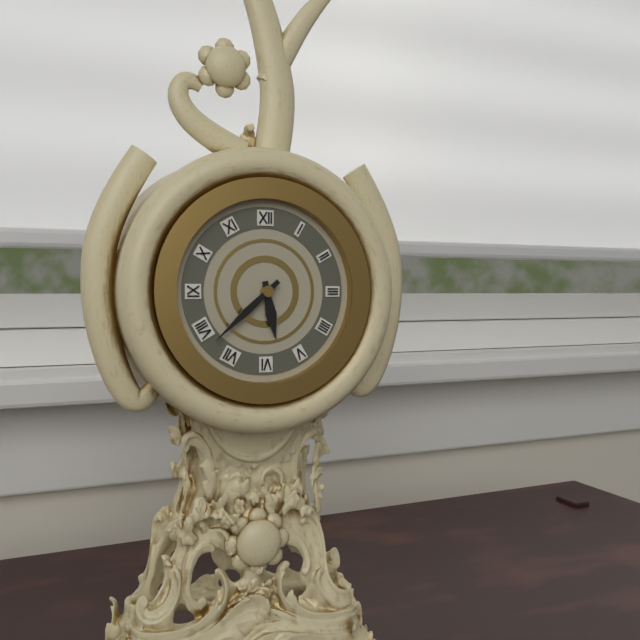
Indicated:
5:38
